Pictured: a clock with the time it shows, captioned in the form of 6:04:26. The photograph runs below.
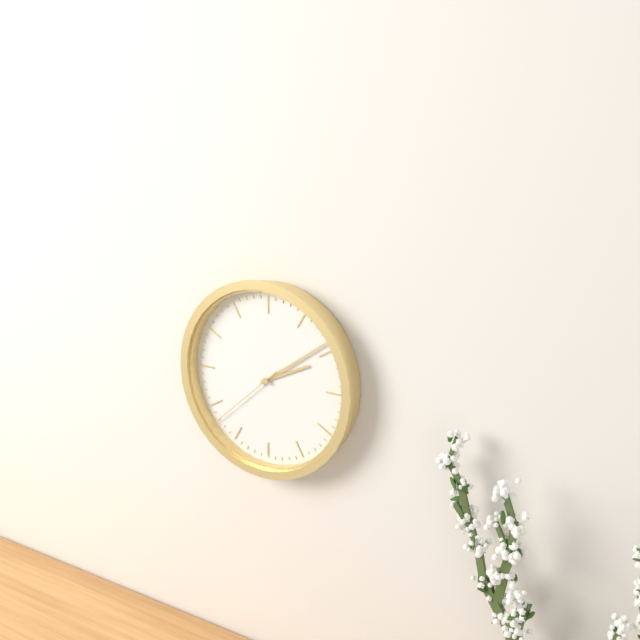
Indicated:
2:09:38
